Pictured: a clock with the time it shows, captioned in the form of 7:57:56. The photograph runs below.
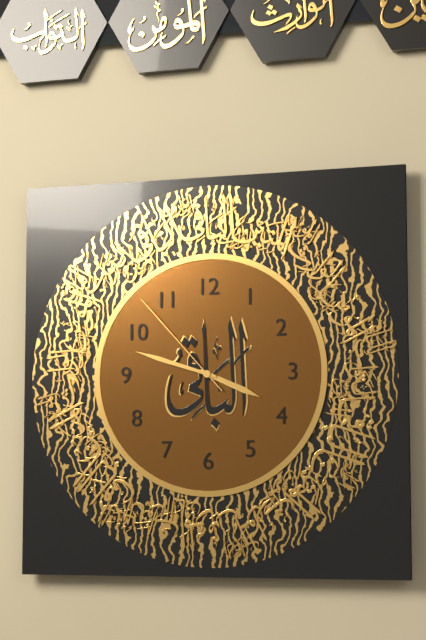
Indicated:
3:48:53
